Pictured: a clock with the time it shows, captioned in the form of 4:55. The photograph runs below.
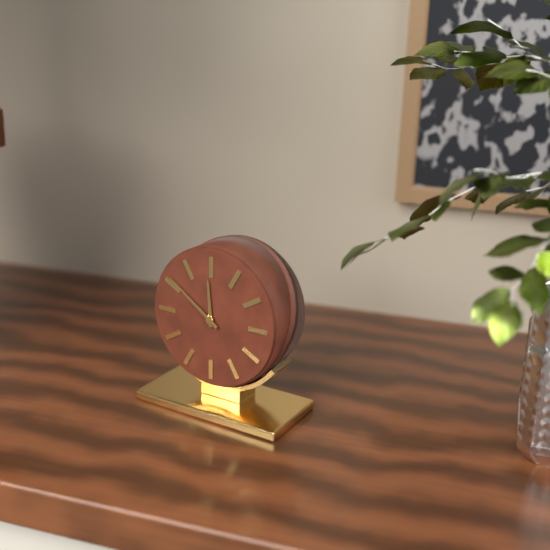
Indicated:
11:51
